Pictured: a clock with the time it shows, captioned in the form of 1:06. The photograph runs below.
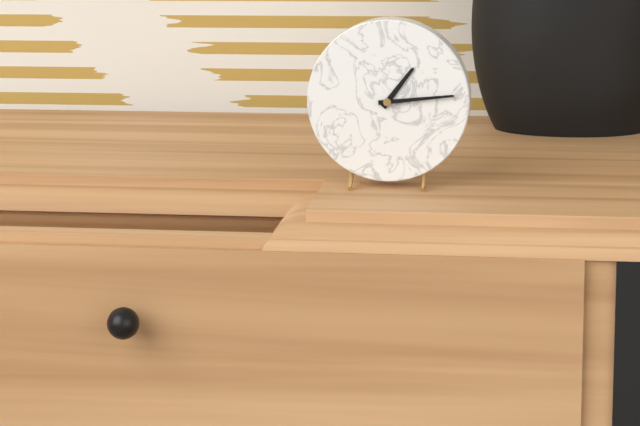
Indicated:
1:14
